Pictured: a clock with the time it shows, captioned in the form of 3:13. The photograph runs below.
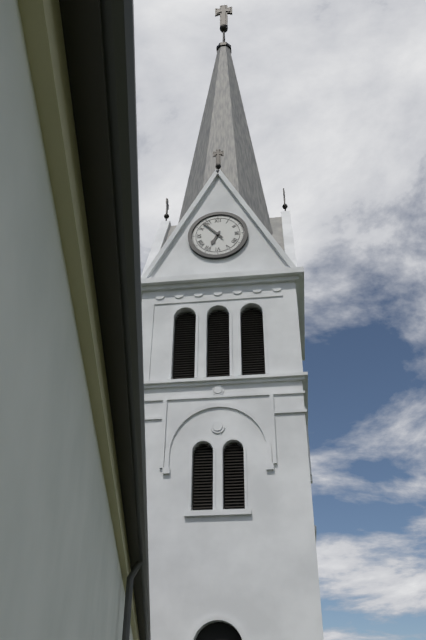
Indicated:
6:53
